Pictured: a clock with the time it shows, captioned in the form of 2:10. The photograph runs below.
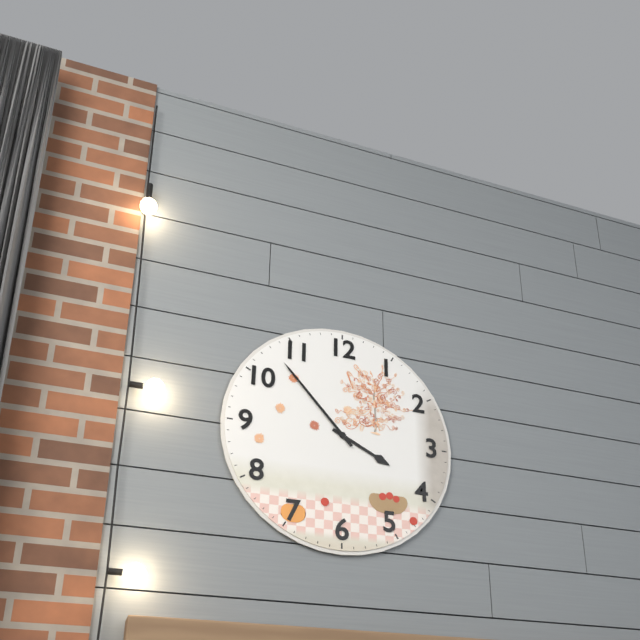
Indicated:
3:53
